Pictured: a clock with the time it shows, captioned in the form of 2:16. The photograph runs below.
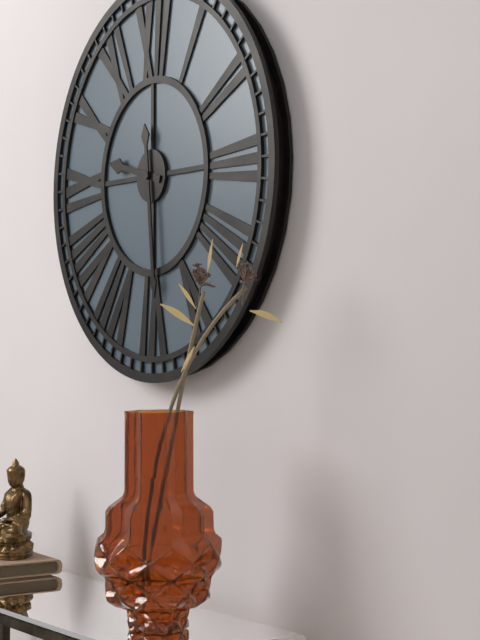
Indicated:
9:29
